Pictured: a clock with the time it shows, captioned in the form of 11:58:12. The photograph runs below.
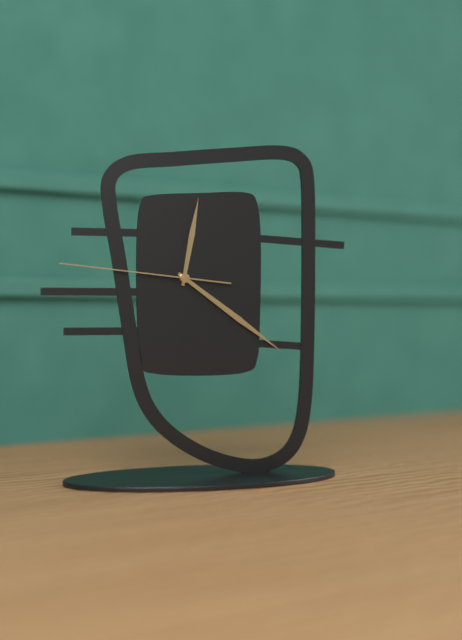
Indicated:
12:21:46
